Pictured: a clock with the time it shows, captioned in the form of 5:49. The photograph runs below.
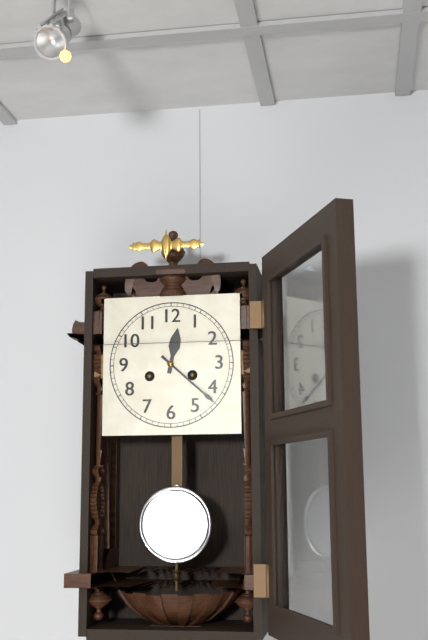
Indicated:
12:22
